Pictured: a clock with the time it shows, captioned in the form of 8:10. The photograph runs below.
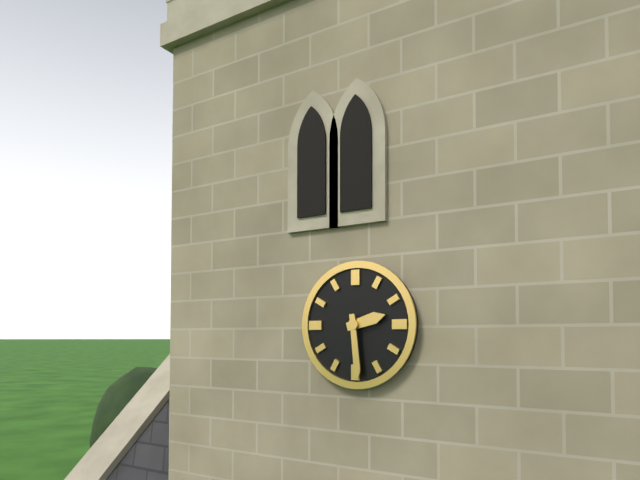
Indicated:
2:29
